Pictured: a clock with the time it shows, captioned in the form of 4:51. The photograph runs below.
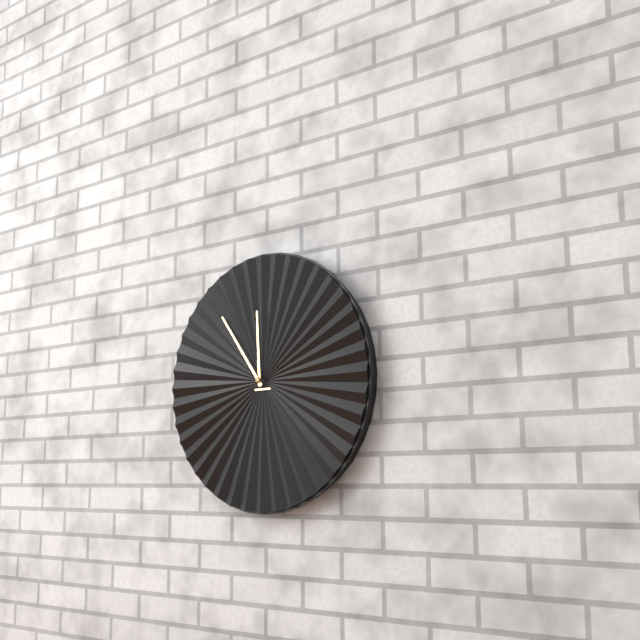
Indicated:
11:54
